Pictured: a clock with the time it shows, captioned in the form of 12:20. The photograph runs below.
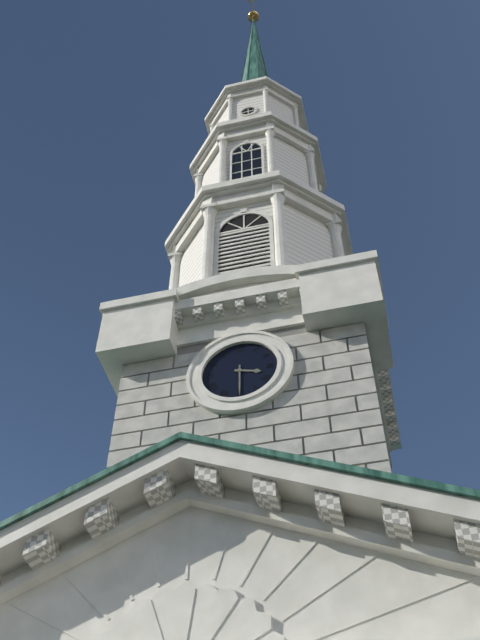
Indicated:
3:30
